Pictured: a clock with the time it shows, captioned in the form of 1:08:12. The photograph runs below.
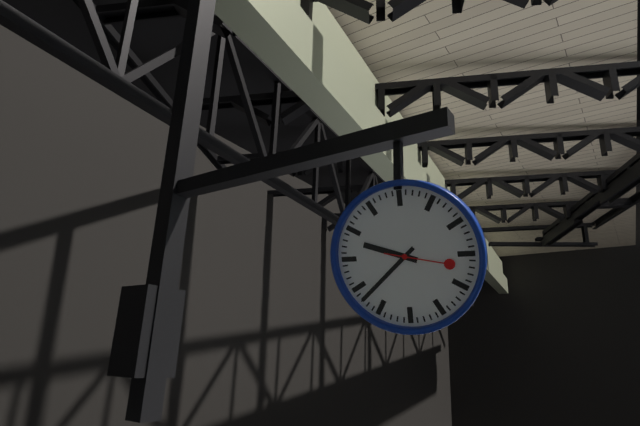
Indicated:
9:38:17
